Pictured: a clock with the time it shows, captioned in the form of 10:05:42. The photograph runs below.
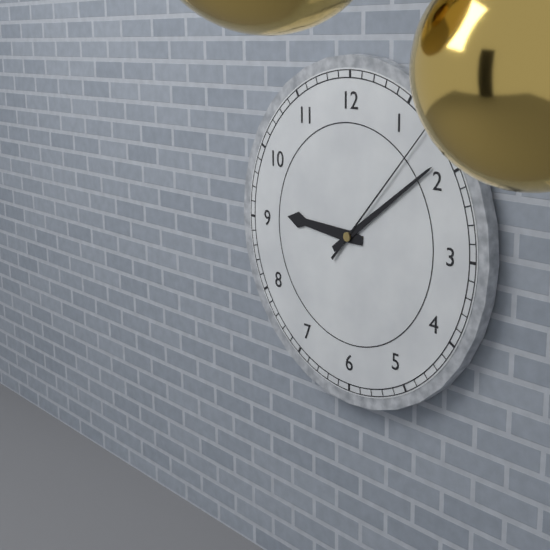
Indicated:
9:09:07
